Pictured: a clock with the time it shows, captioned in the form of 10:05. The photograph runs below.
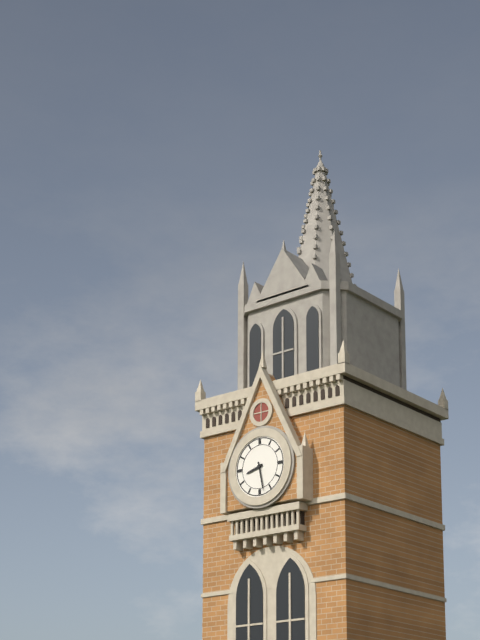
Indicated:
8:28
